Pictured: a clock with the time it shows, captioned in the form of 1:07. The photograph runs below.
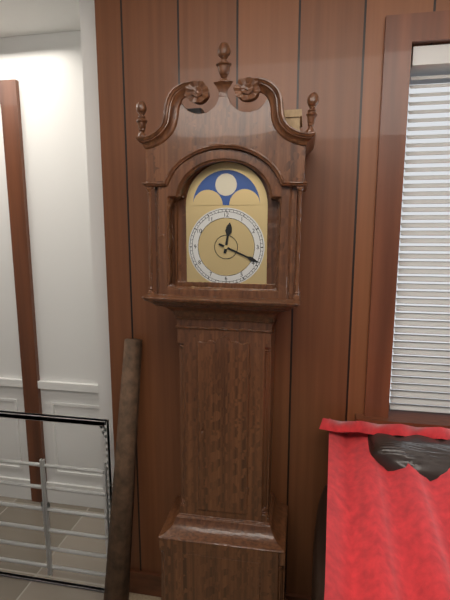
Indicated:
12:19
